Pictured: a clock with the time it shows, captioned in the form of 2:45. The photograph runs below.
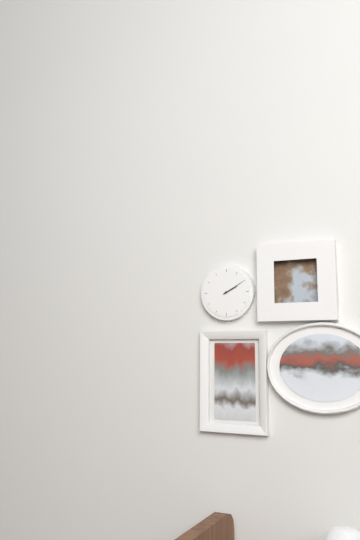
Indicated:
2:10
